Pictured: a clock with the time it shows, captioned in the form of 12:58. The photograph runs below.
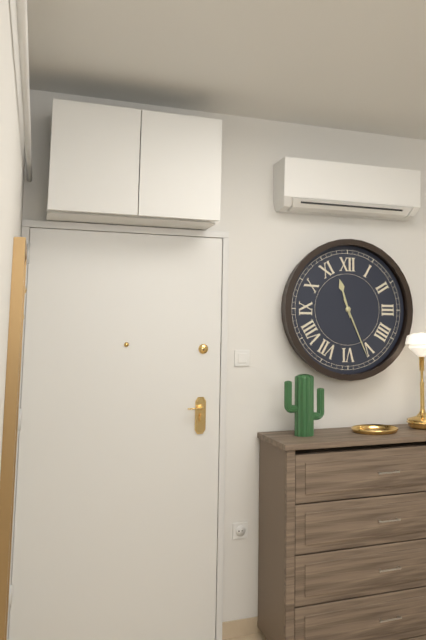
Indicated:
11:26
